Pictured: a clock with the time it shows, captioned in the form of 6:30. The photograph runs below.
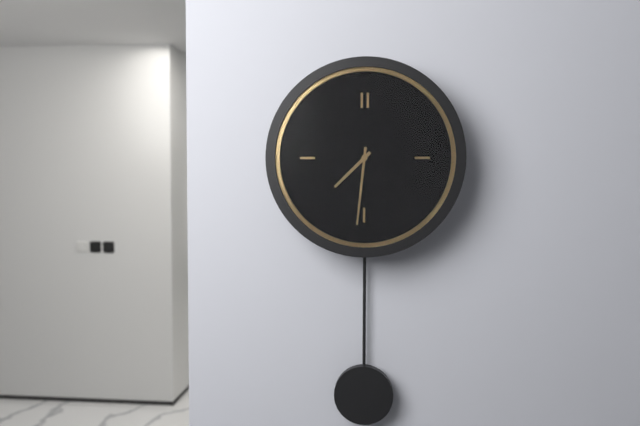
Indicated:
7:31
